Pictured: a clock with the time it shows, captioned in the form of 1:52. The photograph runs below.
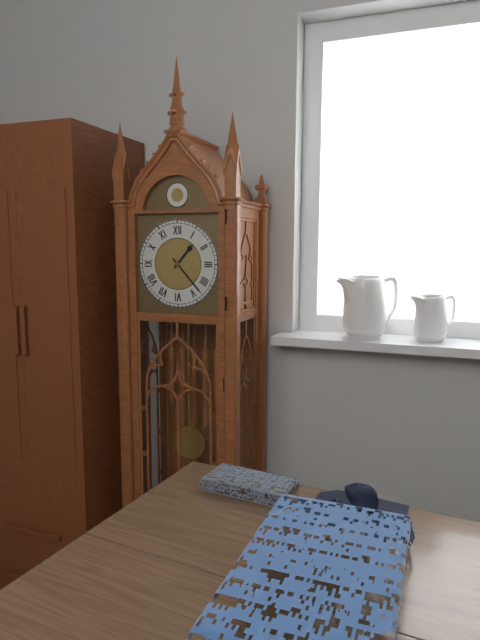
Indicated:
1:23
